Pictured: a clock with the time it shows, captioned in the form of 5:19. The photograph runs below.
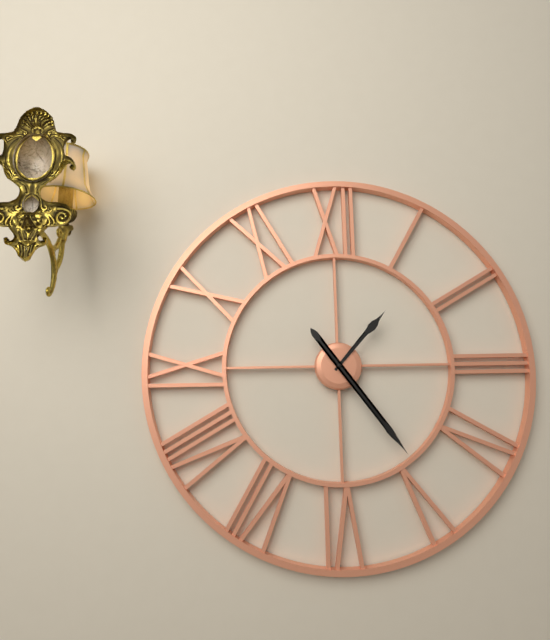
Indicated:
1:24
